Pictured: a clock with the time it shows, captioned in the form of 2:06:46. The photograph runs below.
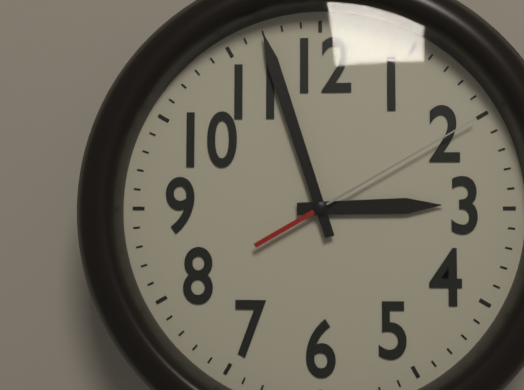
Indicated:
2:57:10
